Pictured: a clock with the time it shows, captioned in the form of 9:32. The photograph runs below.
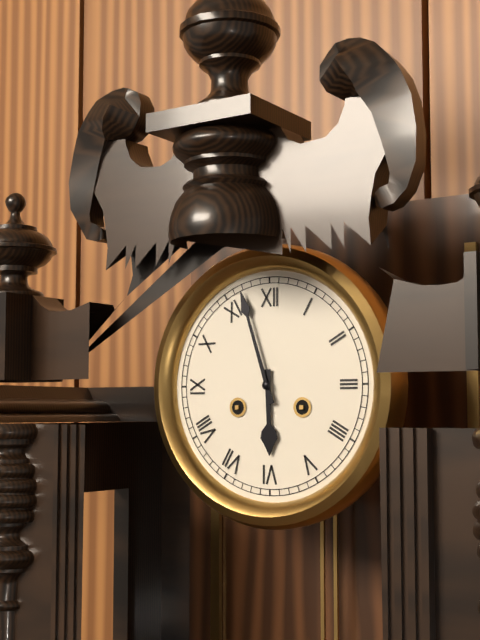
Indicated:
5:57
